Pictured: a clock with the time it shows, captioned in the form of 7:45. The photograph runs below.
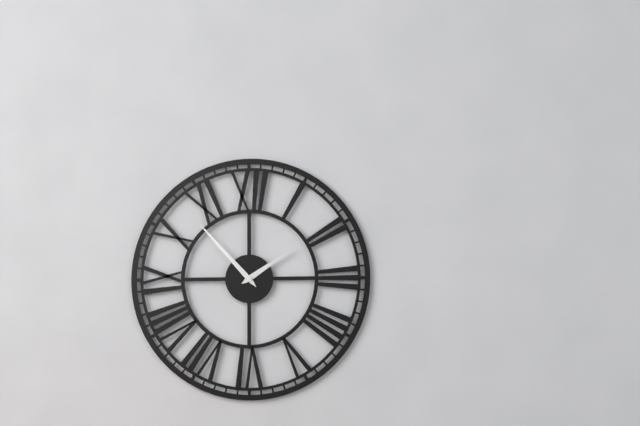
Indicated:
1:53
